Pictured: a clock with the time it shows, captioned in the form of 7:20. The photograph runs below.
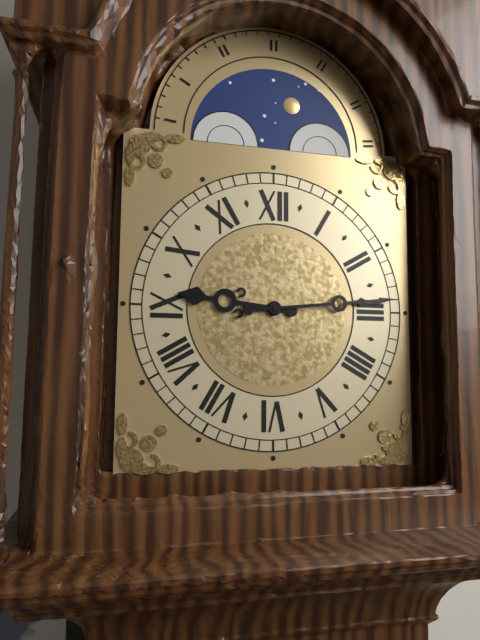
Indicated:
9:14
